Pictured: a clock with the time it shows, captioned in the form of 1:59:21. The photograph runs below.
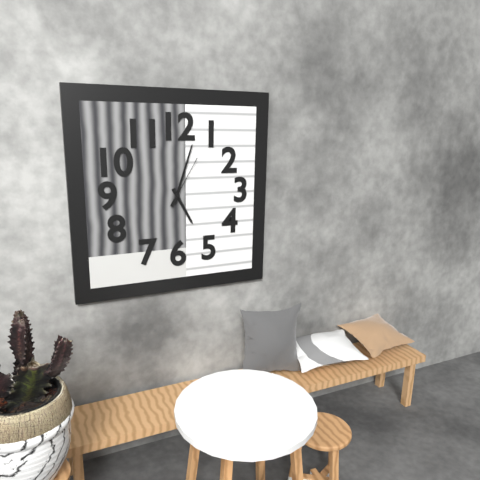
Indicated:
5:03:05
